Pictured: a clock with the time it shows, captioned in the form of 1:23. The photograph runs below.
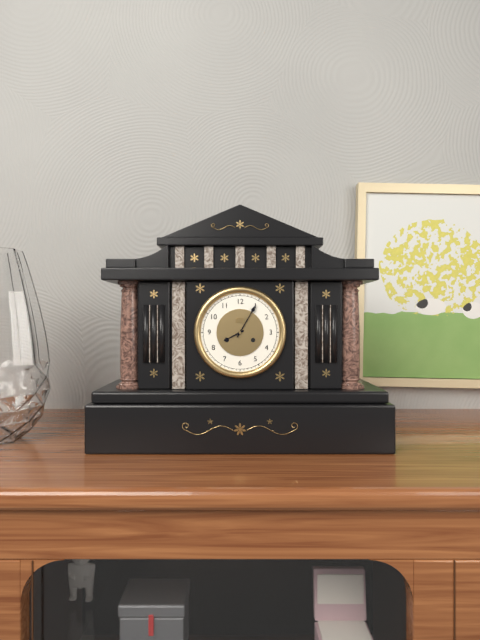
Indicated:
8:05
